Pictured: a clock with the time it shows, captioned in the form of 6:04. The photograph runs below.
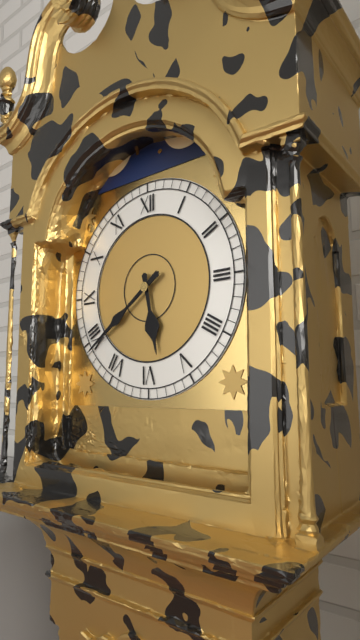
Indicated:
5:39
